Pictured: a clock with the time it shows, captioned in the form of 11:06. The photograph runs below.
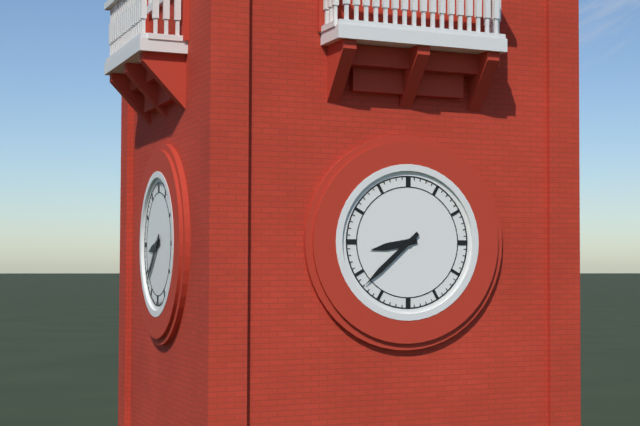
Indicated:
8:38
